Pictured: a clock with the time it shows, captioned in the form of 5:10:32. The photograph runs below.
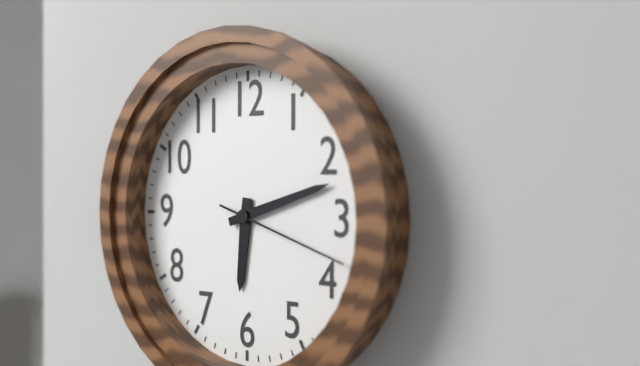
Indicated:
6:12:18
